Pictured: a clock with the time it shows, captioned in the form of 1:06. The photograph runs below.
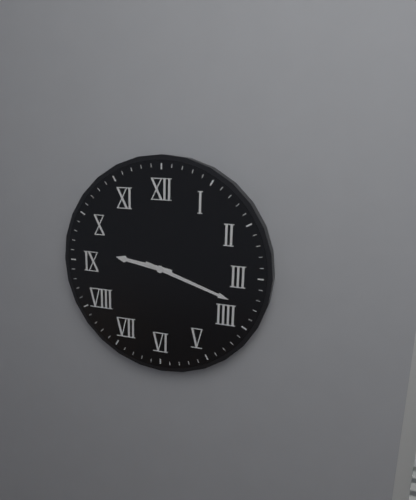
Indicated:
9:18
